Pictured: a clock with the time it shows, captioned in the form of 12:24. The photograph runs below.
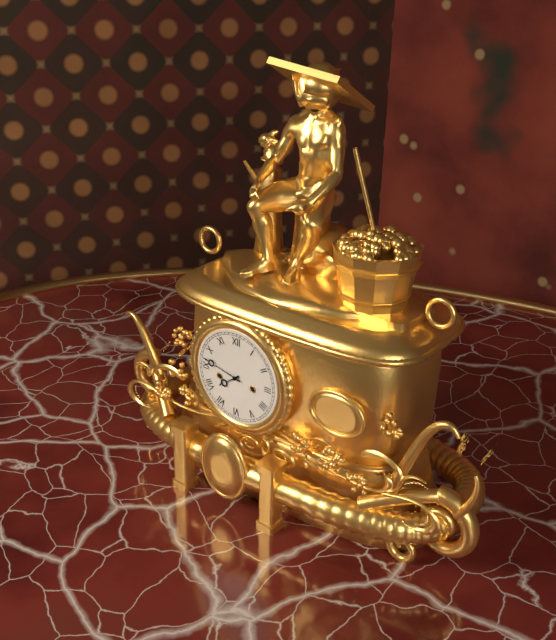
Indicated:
7:47
